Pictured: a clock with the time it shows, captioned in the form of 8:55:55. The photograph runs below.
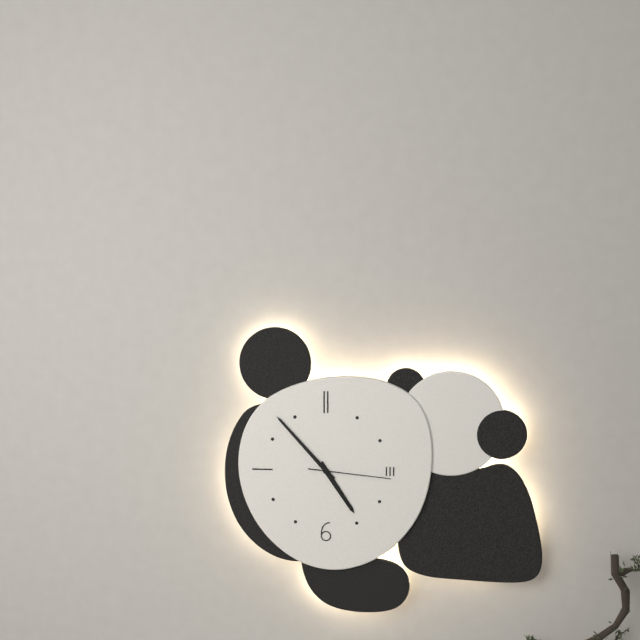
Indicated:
4:53:16
